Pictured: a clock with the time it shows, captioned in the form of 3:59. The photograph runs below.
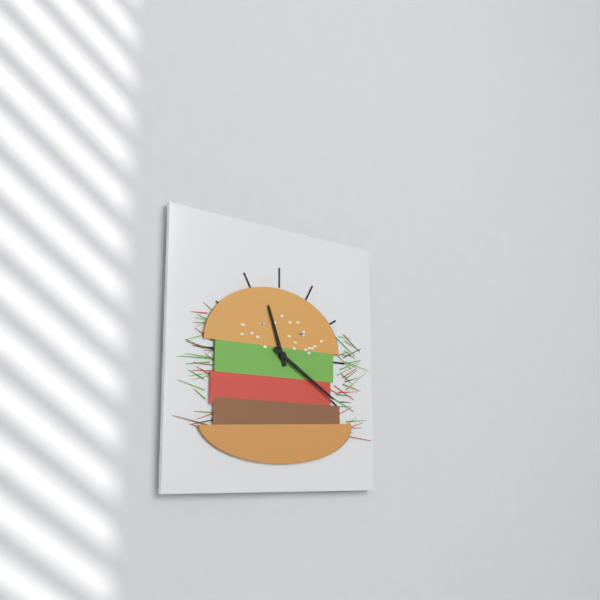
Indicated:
11:20
